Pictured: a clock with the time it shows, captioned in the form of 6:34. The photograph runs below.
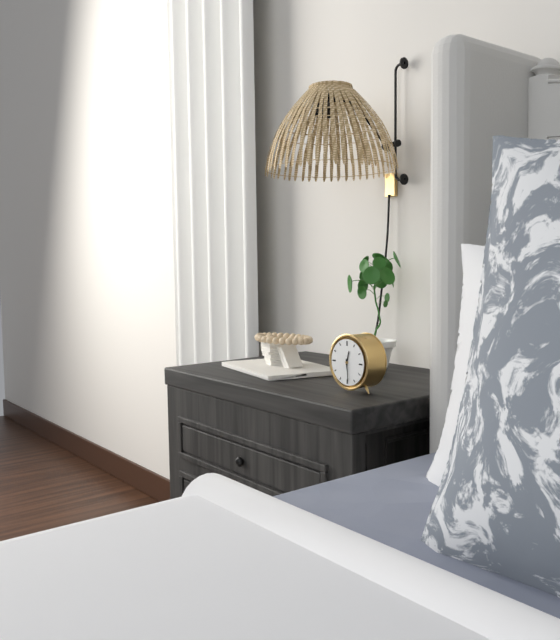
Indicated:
12:29
